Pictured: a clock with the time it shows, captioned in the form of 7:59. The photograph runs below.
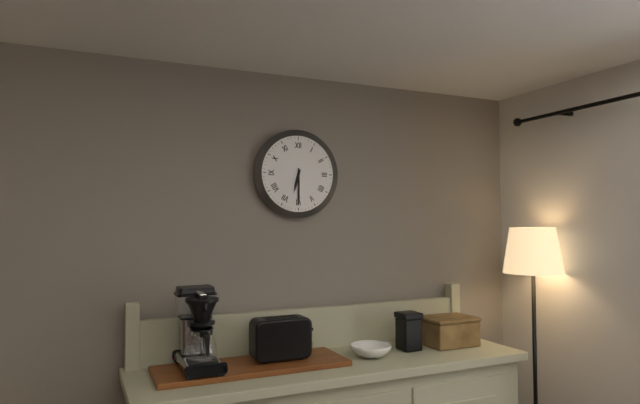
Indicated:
6:30
